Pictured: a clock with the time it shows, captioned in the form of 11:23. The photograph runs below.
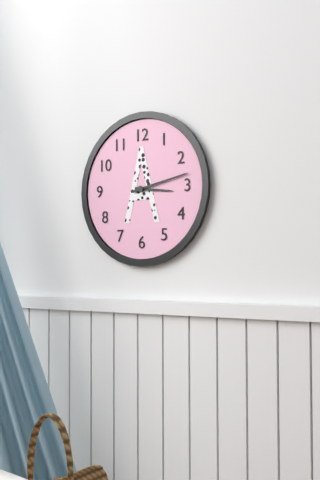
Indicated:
3:13
